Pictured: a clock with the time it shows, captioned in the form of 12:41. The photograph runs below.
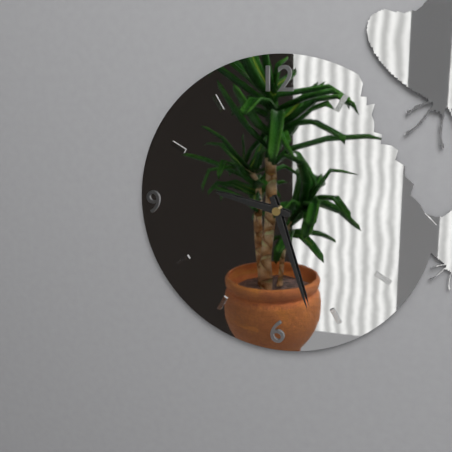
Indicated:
9:27
